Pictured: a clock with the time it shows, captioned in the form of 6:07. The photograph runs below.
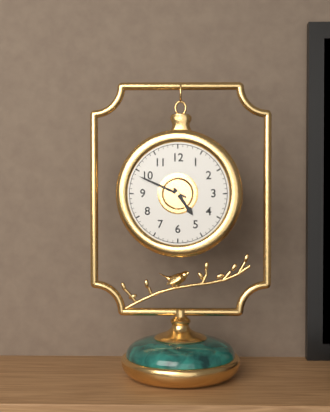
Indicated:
4:49
